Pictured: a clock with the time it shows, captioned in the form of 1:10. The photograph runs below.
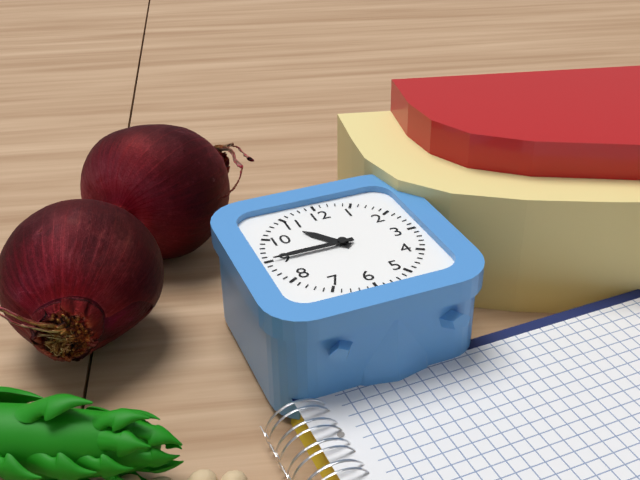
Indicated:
10:45
